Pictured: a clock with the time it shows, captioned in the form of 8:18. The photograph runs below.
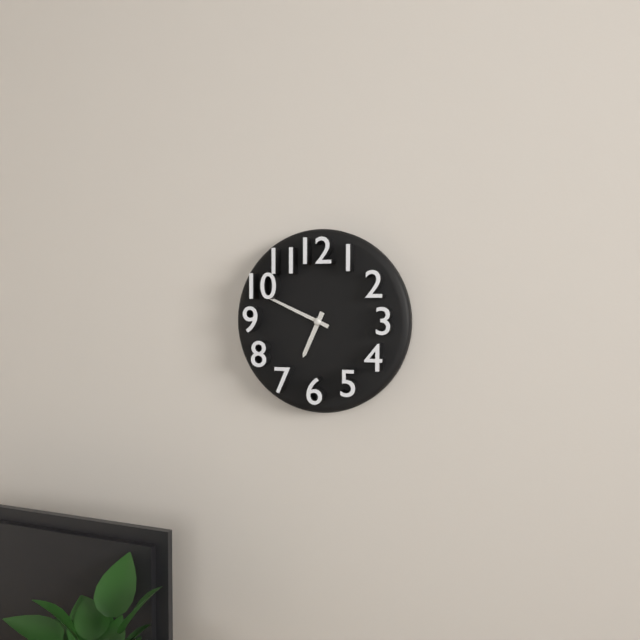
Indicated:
6:49
